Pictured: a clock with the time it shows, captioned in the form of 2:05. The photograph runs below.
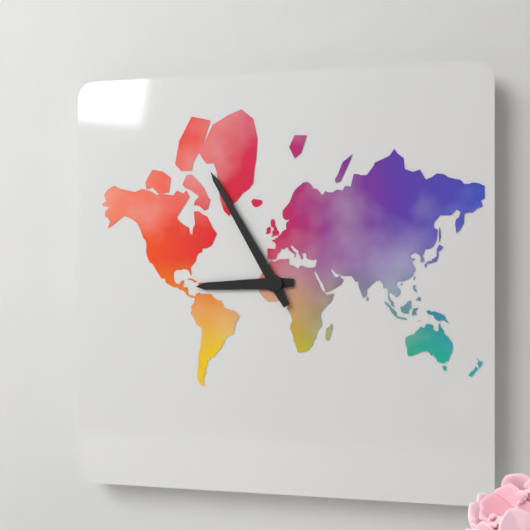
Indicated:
8:55
